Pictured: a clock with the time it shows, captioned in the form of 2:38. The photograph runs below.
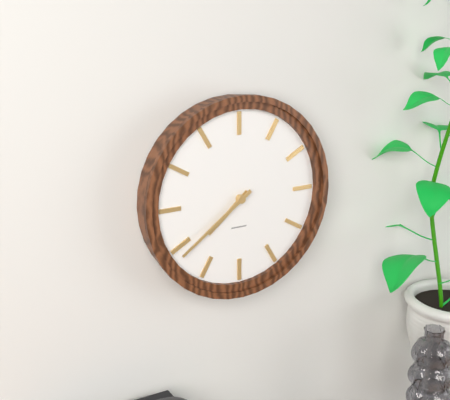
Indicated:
7:39
